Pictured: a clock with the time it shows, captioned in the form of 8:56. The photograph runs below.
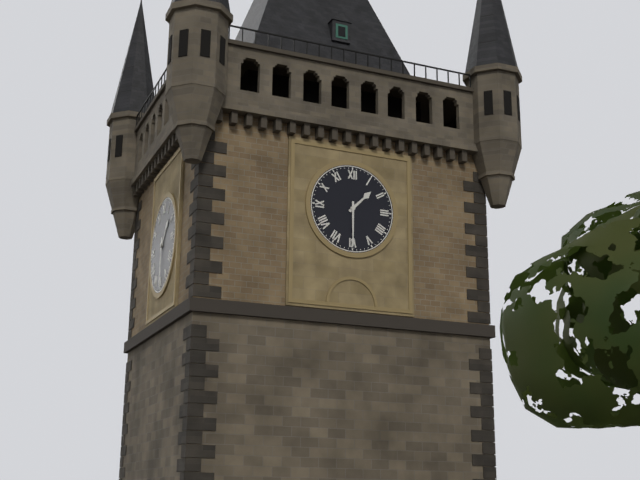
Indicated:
1:30
